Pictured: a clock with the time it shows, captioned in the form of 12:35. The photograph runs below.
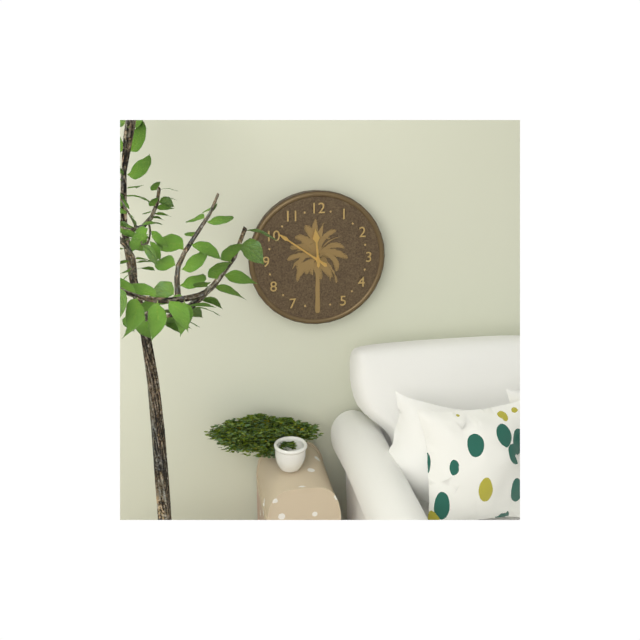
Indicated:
11:51
